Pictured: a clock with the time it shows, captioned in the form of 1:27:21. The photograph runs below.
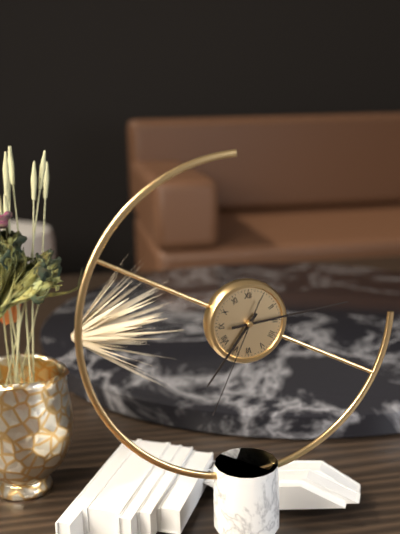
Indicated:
7:14:34
